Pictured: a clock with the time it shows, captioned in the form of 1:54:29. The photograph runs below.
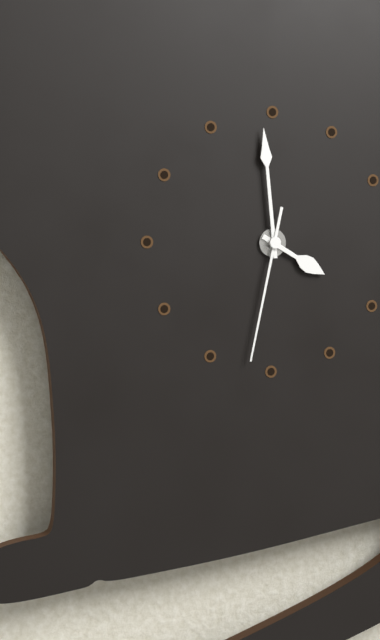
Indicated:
3:59:32
